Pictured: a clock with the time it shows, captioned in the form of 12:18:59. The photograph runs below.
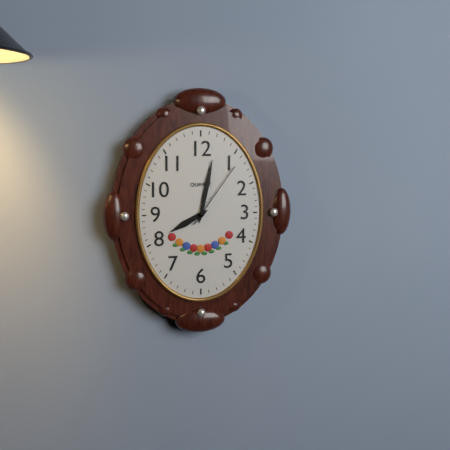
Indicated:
8:02:06
